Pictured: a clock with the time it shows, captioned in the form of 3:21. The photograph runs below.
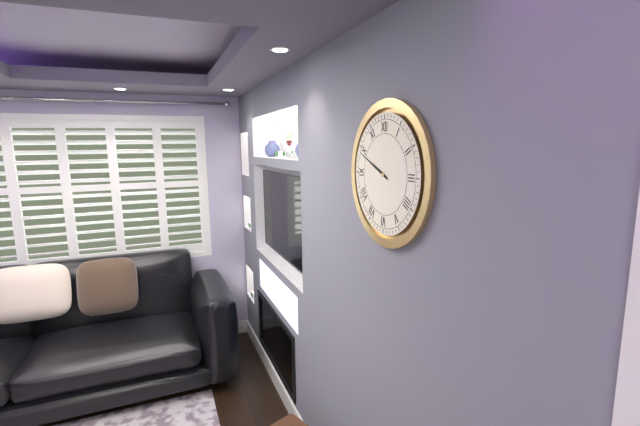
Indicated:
9:49
